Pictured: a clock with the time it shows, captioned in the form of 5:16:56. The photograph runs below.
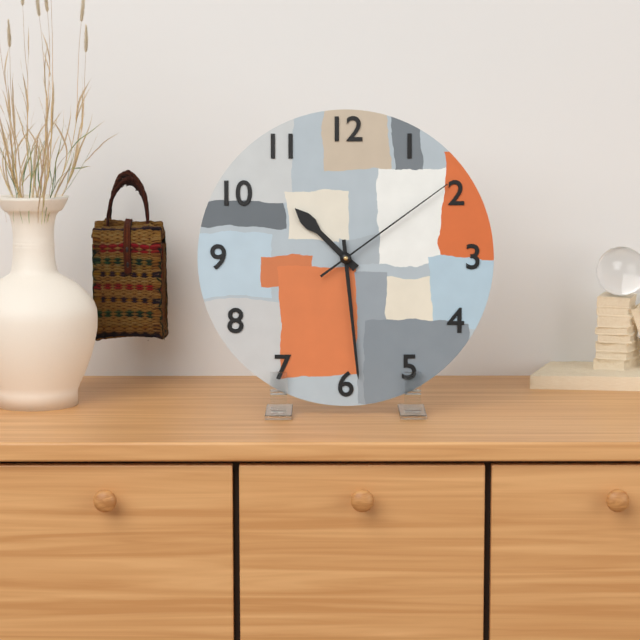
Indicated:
10:29:09
